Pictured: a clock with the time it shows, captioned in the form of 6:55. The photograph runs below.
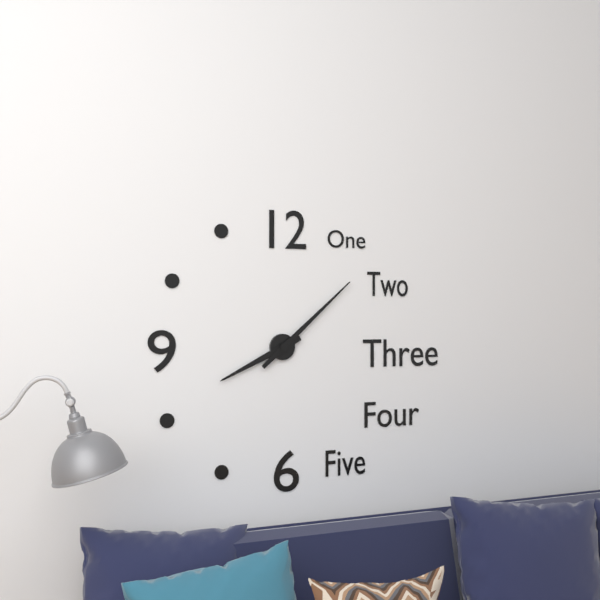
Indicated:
8:08
